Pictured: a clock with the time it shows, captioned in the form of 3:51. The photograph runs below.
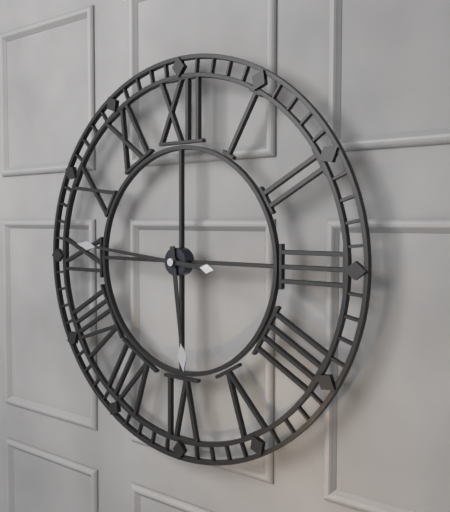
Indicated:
5:46
